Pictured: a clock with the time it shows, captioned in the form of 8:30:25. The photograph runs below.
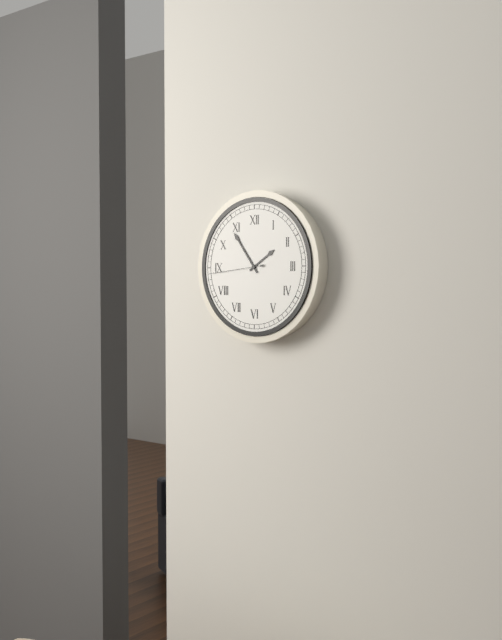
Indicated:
1:54:44
